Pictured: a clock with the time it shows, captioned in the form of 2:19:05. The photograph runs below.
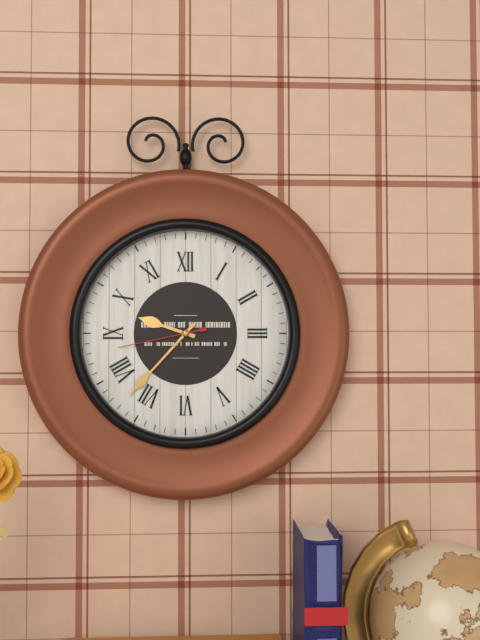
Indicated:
9:37:43
